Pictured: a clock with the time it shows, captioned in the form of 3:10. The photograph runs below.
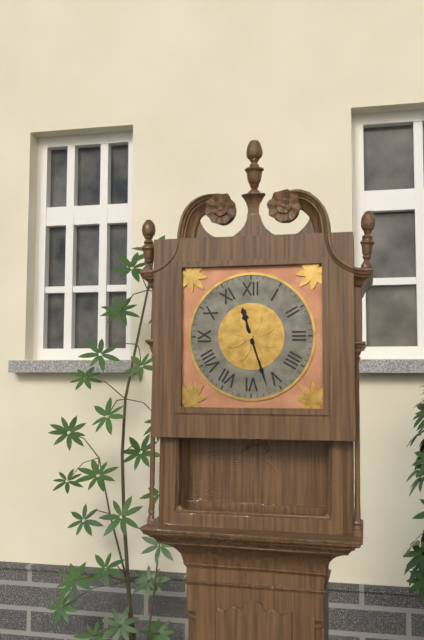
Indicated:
11:27
